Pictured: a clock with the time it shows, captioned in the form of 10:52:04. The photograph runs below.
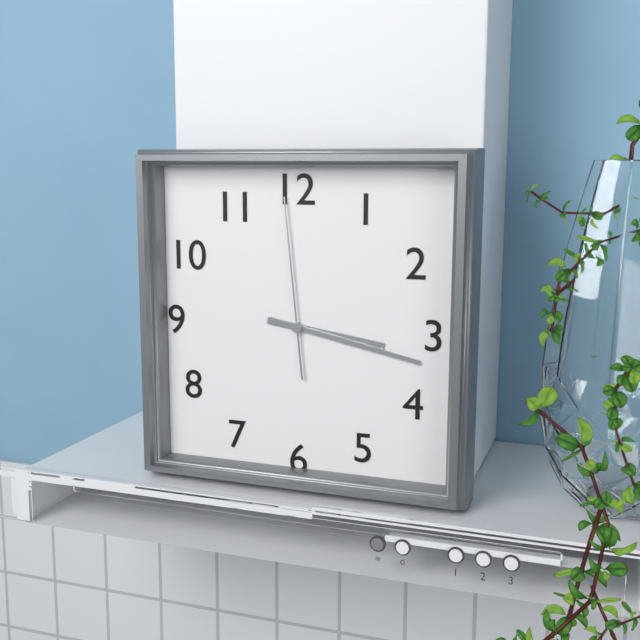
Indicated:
3:17:59
